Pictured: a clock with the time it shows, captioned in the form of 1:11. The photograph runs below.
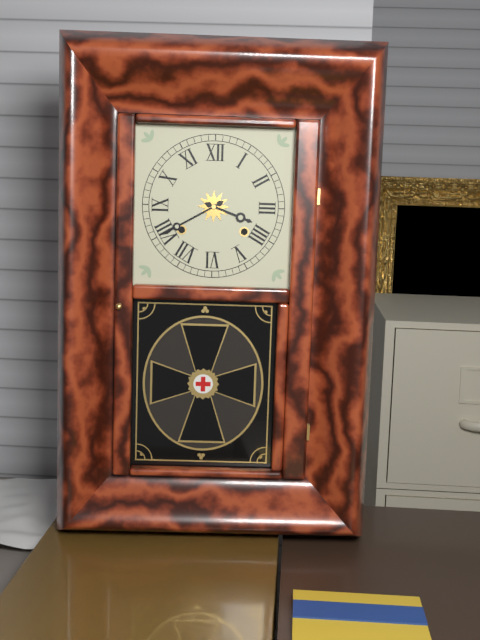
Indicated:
3:40
